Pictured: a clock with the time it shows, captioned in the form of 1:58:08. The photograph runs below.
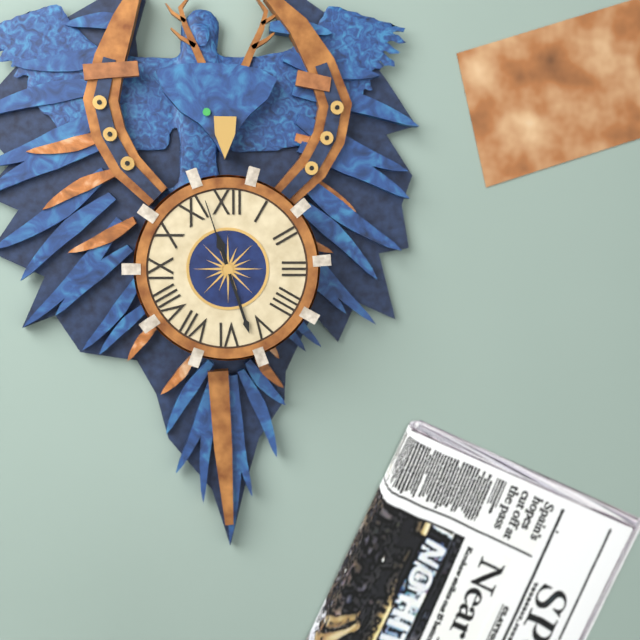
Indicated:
11:27:57
